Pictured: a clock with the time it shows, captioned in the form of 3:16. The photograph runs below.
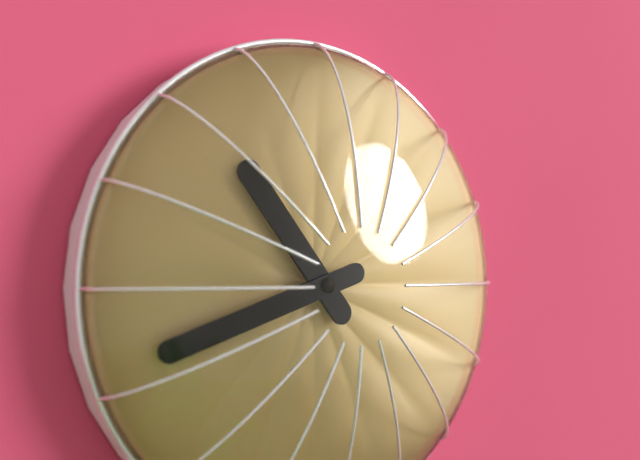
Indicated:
10:42
